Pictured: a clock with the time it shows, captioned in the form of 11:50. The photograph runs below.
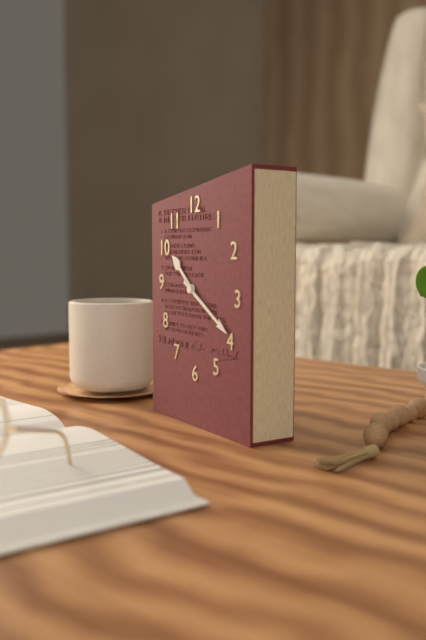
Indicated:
10:20
